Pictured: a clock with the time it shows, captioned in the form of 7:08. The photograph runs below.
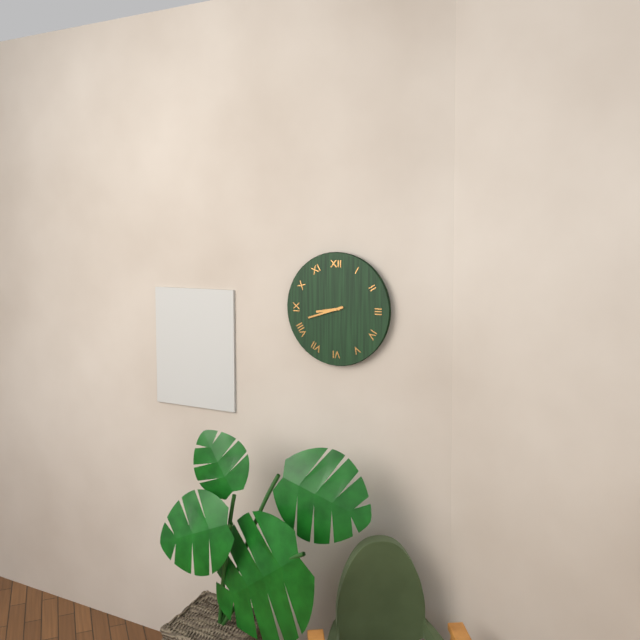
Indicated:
8:42
